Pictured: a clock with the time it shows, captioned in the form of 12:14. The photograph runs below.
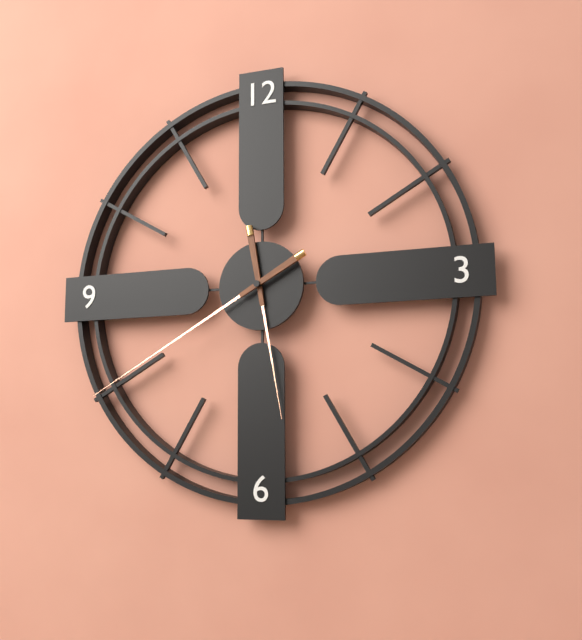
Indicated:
5:40
